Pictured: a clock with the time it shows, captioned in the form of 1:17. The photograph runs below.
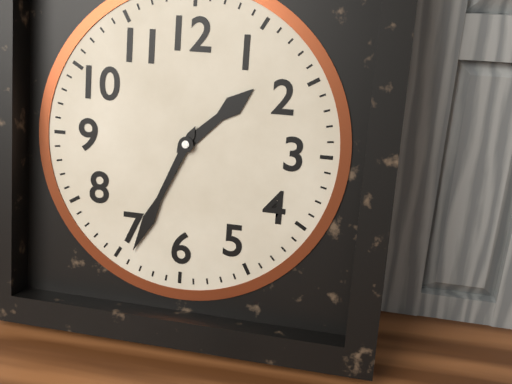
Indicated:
1:34
